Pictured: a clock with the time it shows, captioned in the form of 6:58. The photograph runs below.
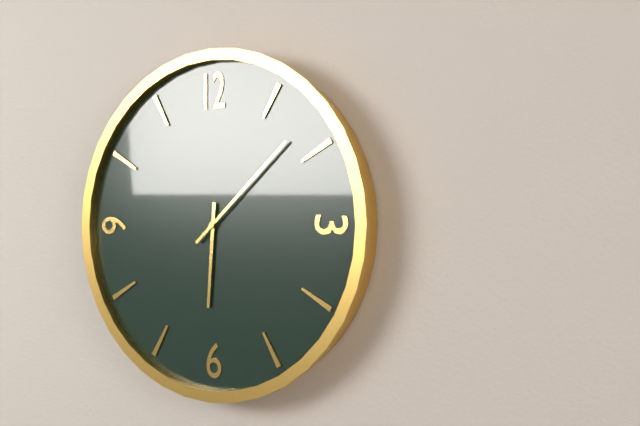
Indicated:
6:08
